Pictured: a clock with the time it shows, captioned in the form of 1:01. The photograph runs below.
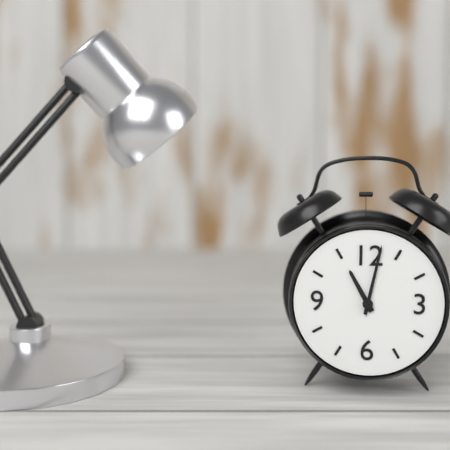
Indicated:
11:02
